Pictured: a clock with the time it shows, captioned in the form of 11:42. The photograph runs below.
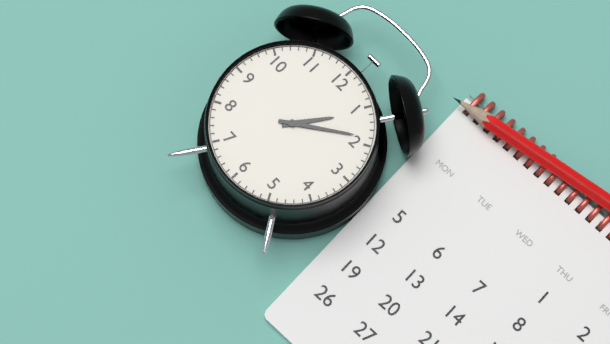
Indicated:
1:09
